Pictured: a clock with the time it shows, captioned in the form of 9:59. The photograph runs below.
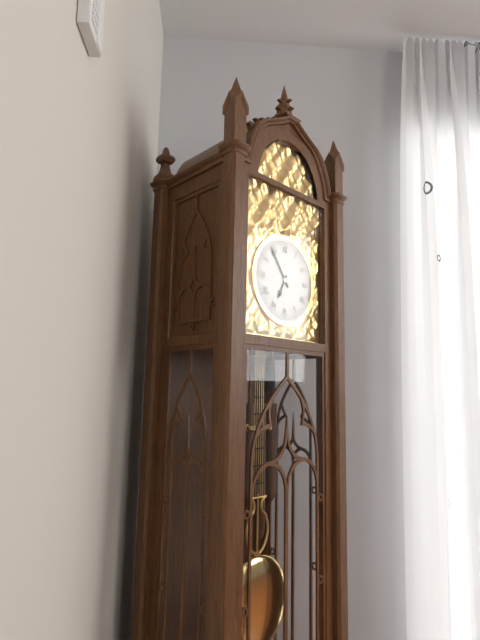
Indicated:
6:54
